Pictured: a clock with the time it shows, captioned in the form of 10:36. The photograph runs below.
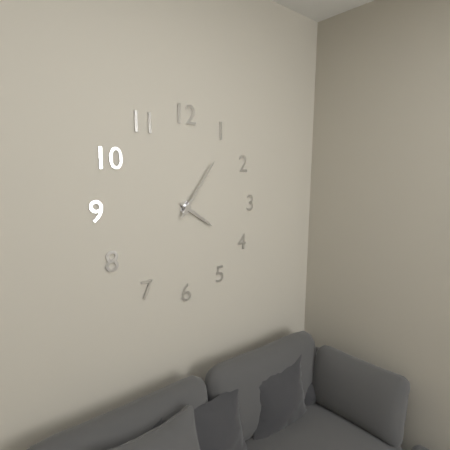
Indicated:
4:06
